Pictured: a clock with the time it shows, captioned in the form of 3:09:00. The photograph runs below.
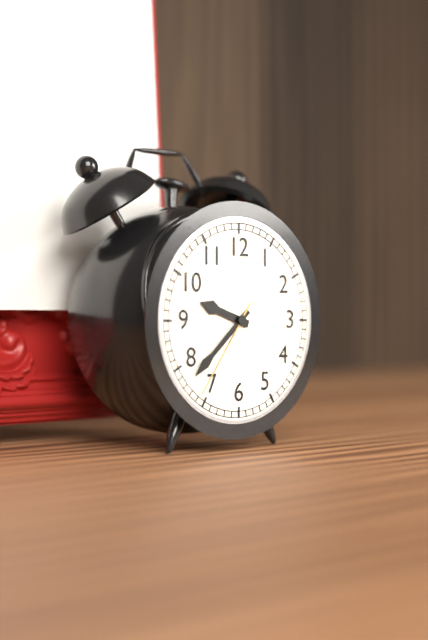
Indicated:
9:38:36
